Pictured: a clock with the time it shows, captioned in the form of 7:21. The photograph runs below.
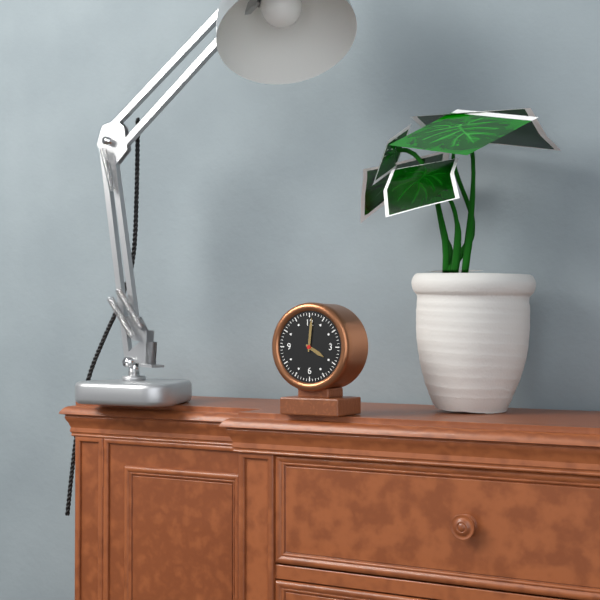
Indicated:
4:01
